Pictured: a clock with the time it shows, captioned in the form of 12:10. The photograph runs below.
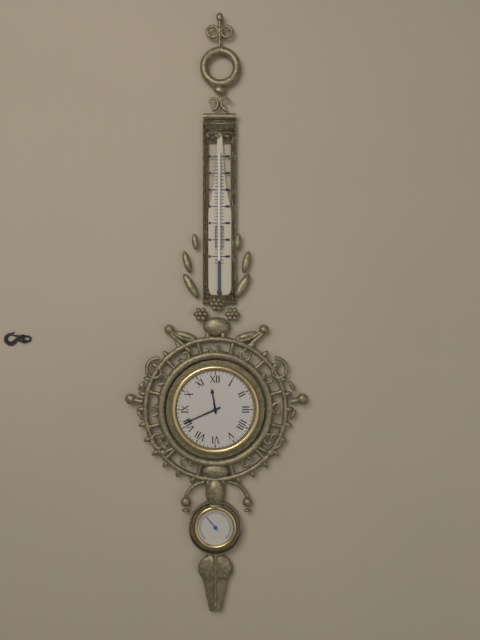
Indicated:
11:41
